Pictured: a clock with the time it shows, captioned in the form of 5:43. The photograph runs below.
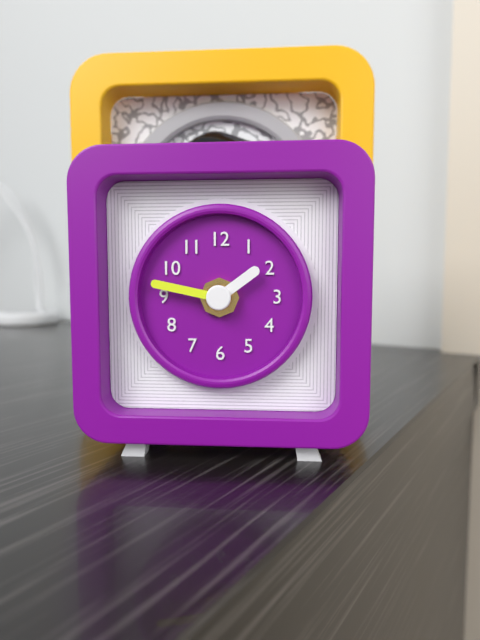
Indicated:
1:47
